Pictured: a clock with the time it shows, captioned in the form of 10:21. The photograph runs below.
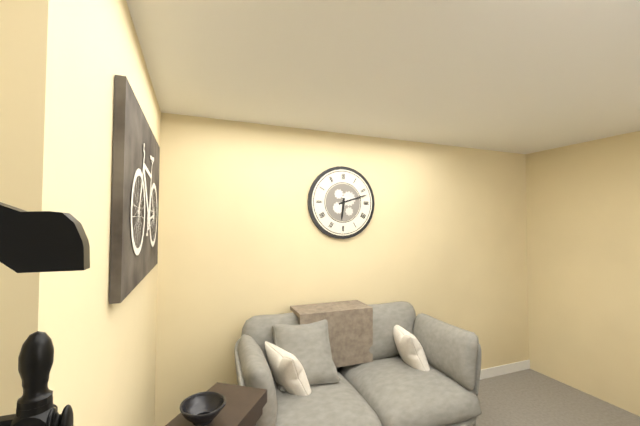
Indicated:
6:12
